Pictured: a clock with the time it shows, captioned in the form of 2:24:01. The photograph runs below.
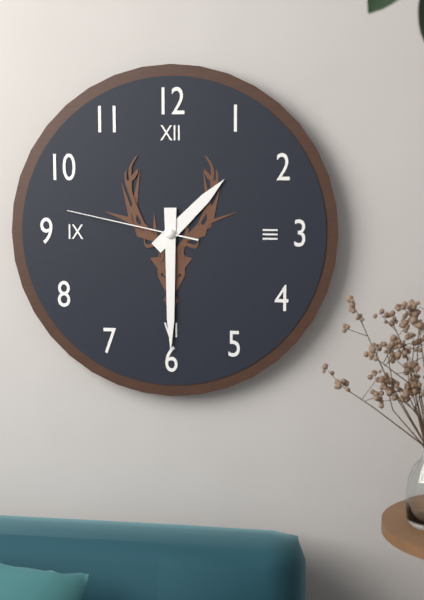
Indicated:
1:30:47
